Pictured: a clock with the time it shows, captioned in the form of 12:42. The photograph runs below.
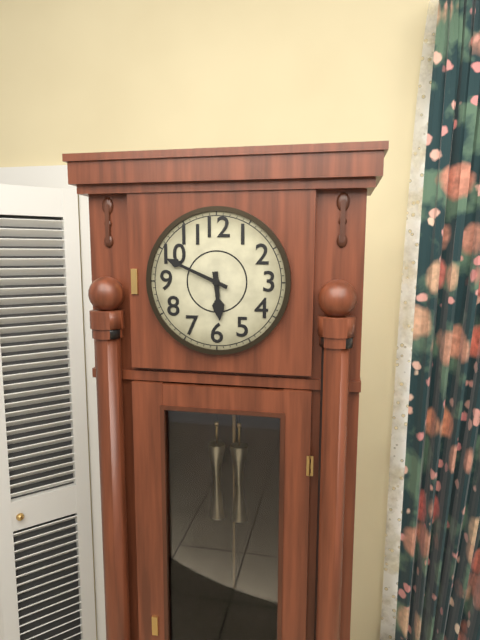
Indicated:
5:49
